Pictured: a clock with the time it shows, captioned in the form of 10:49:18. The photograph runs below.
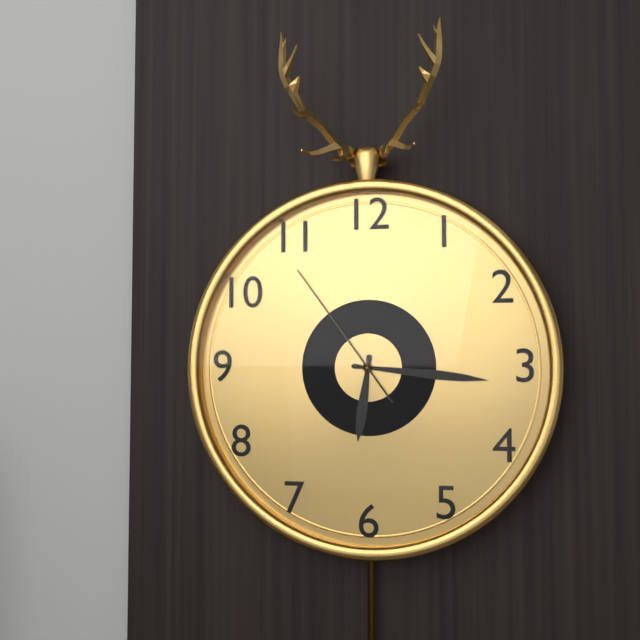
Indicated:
6:16:54
